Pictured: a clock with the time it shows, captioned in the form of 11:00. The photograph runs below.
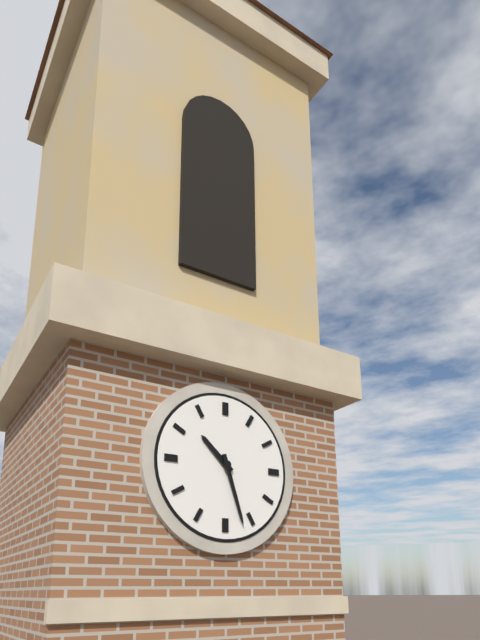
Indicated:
10:27
